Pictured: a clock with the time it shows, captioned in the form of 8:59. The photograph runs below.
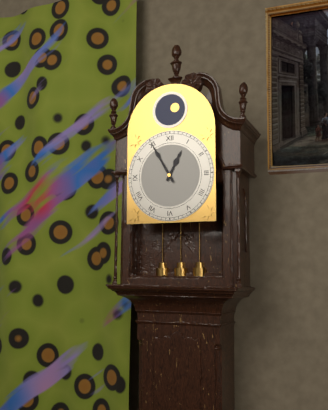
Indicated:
12:55
